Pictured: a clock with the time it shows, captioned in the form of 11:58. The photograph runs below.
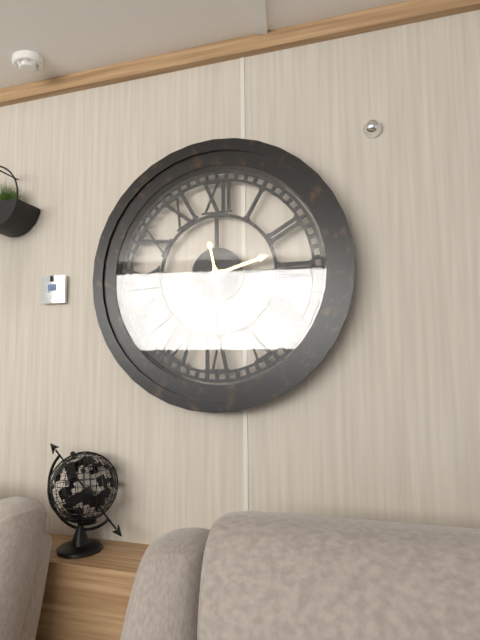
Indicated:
2:28
